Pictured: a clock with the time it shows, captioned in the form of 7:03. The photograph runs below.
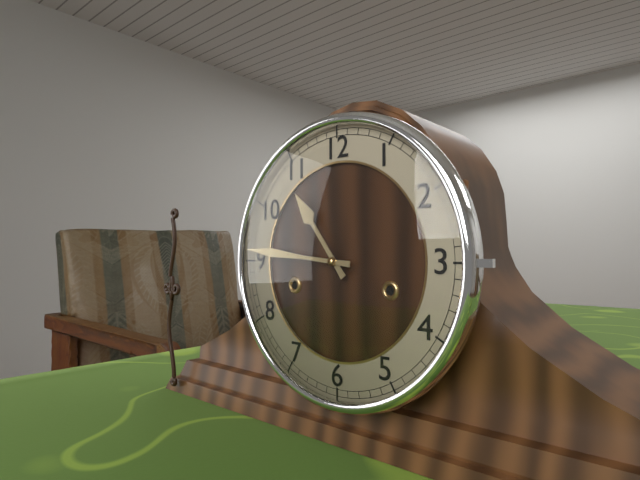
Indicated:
10:46
